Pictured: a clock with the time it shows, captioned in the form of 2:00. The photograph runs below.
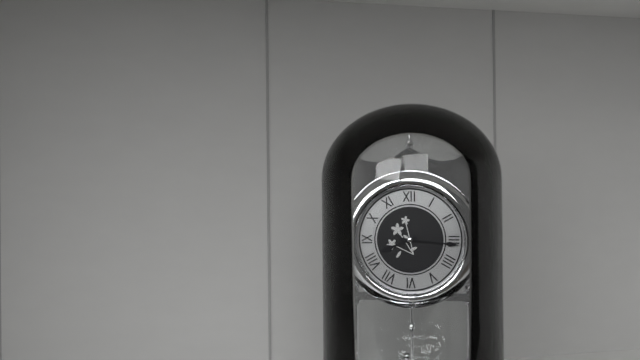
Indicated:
8:16
